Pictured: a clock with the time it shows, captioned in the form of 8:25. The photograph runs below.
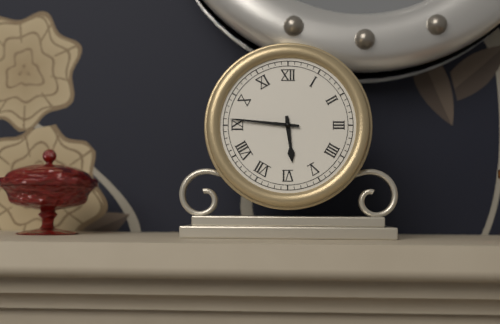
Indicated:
5:46
